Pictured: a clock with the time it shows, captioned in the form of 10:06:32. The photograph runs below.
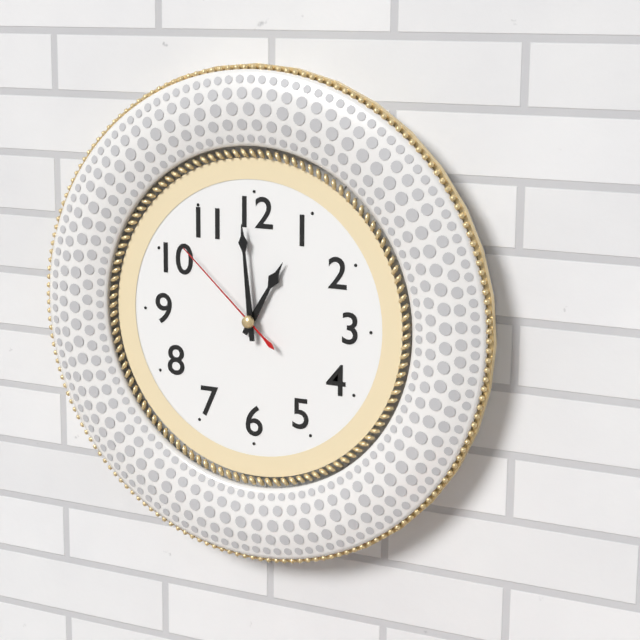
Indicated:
12:59:52
